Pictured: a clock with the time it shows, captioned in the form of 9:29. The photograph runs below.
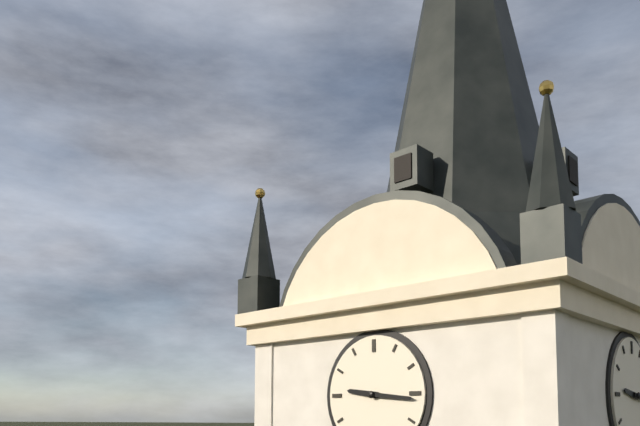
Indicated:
9:16
